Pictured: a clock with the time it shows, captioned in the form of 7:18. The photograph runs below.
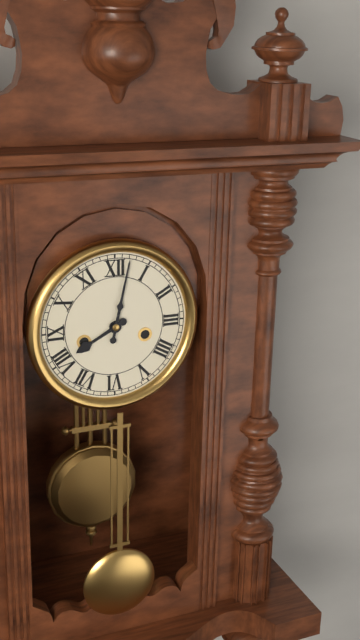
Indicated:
8:02
